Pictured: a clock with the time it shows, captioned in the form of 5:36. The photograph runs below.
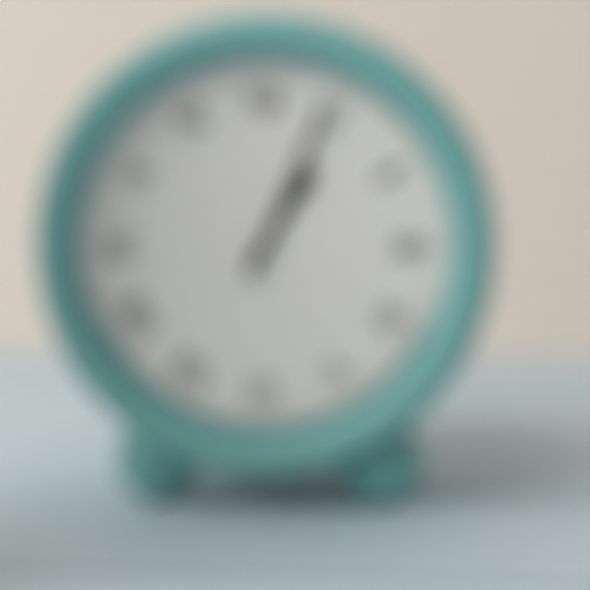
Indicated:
1:04
